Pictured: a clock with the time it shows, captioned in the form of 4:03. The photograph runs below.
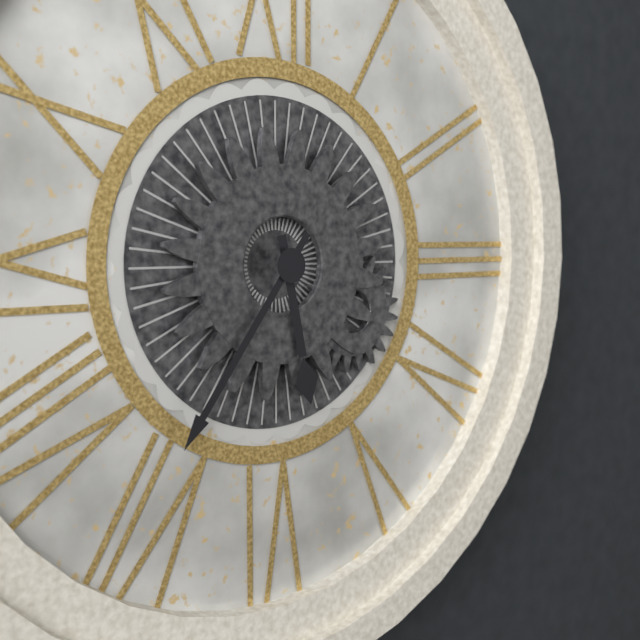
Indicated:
5:36
